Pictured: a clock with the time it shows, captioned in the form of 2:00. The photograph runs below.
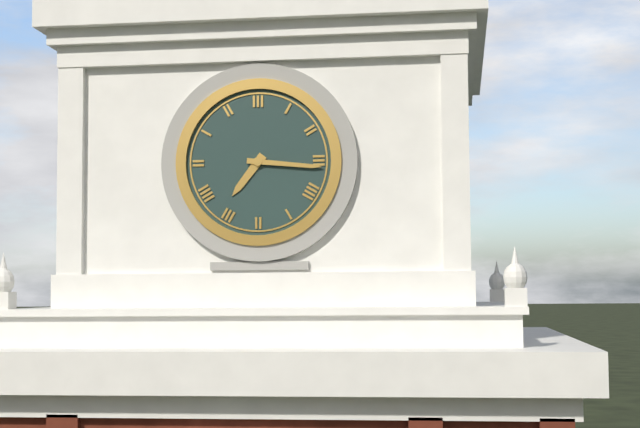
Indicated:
7:16
